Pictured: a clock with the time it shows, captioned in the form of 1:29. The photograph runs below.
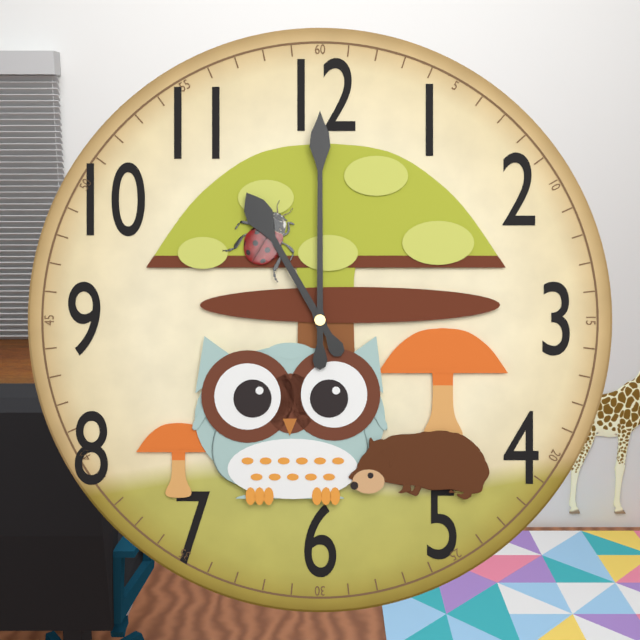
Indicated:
11:00
